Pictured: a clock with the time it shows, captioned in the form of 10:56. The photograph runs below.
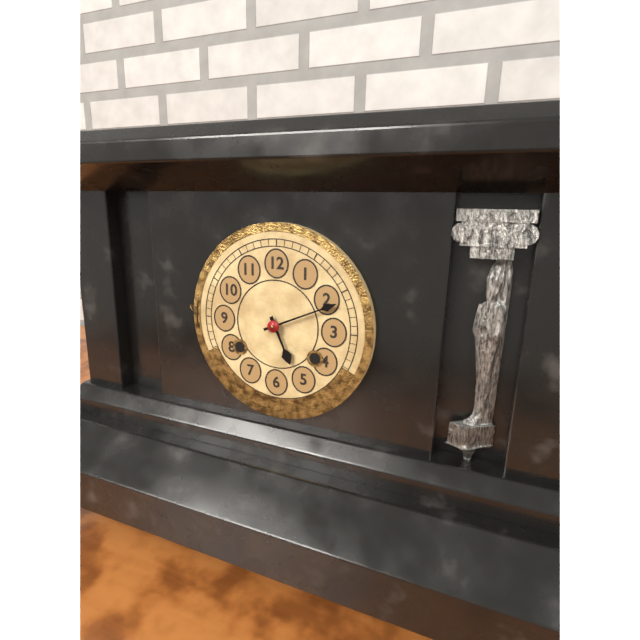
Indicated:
5:11
